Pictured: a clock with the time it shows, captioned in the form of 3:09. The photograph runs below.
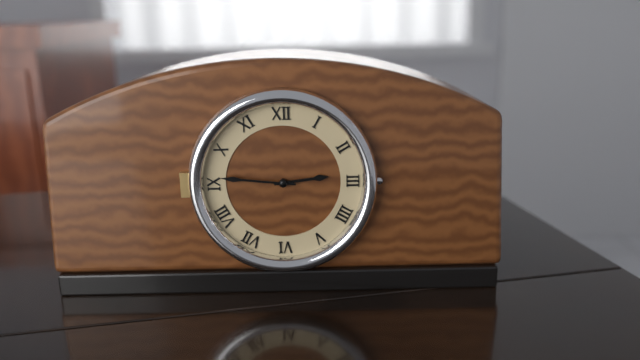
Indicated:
2:46
